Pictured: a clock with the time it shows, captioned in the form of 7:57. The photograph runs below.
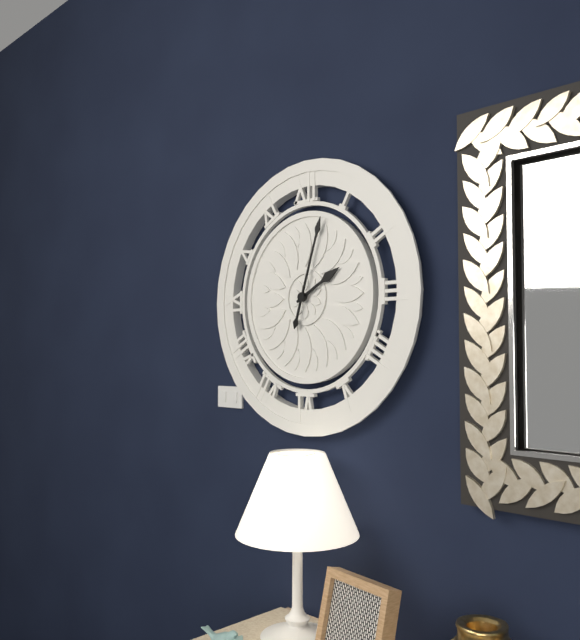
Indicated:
2:03
